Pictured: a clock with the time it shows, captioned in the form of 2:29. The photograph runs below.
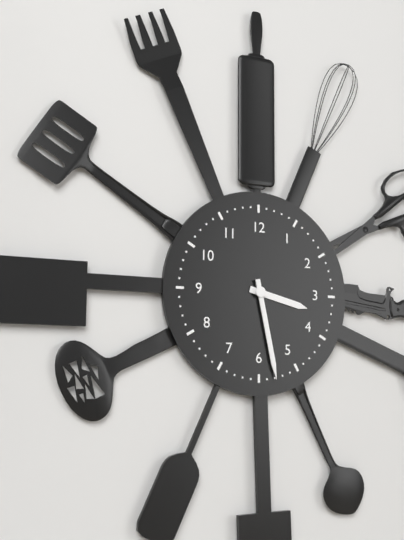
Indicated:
3:28
